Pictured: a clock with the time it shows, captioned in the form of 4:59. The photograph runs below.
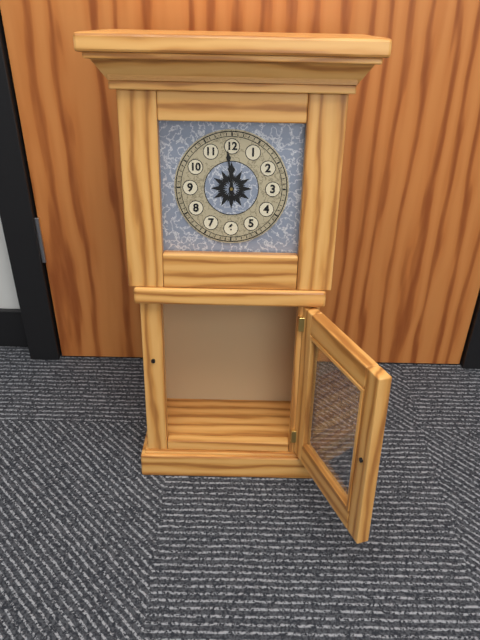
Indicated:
11:59
